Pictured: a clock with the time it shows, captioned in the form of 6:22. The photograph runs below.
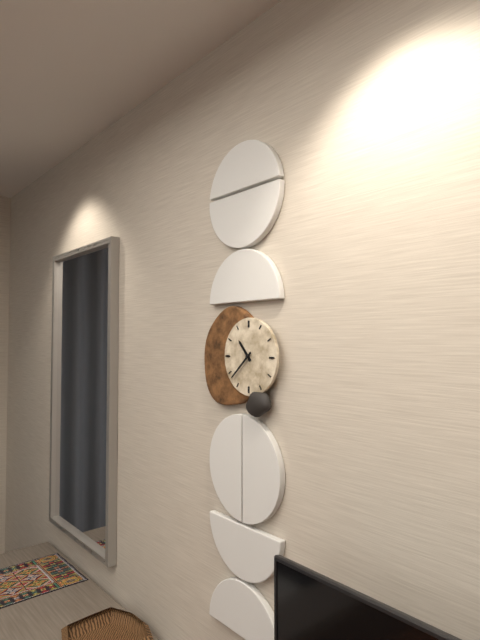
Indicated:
10:38
